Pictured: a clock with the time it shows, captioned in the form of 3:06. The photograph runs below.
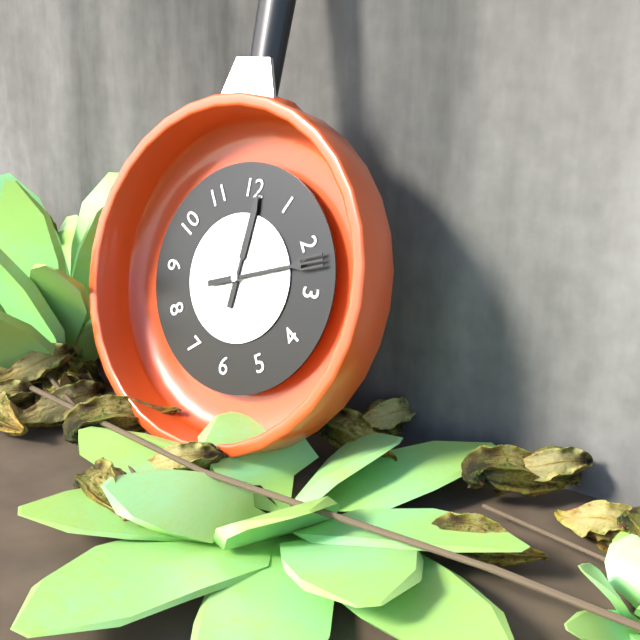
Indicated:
12:12
